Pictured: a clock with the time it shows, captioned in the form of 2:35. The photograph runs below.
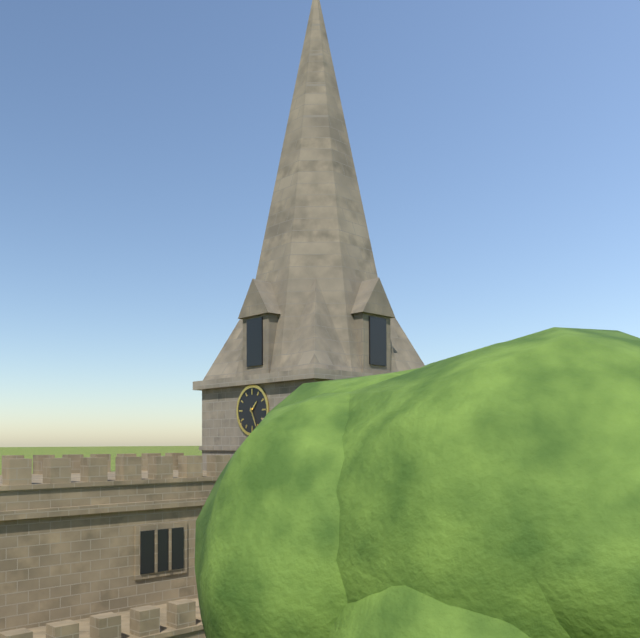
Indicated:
1:26
